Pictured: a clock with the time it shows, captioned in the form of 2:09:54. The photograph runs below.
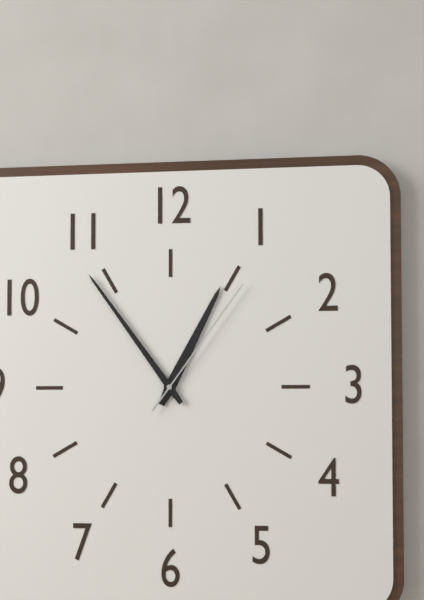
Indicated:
12:54:06
